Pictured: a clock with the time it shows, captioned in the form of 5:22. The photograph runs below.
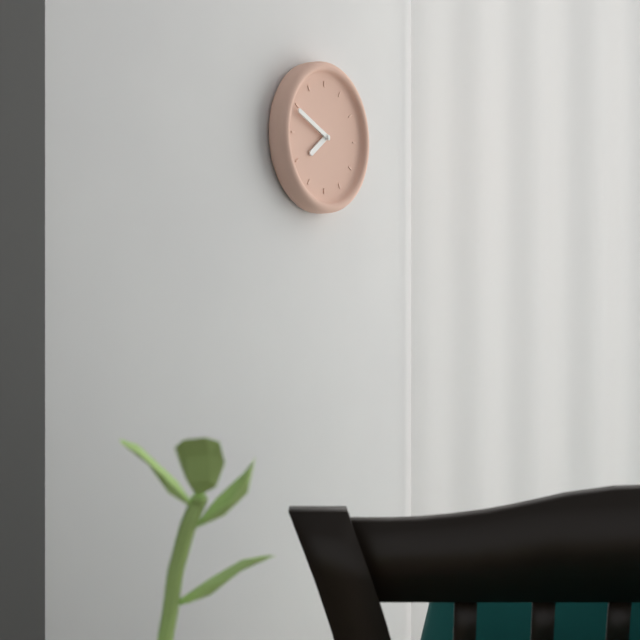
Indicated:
7:49
